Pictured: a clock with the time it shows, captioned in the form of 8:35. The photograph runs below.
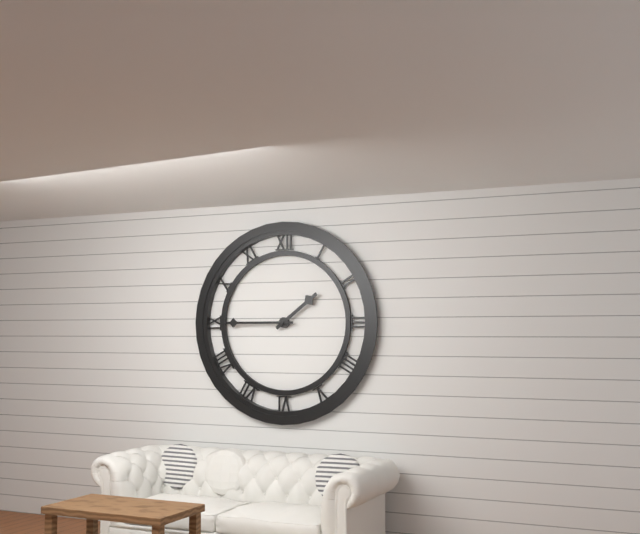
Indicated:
1:45
